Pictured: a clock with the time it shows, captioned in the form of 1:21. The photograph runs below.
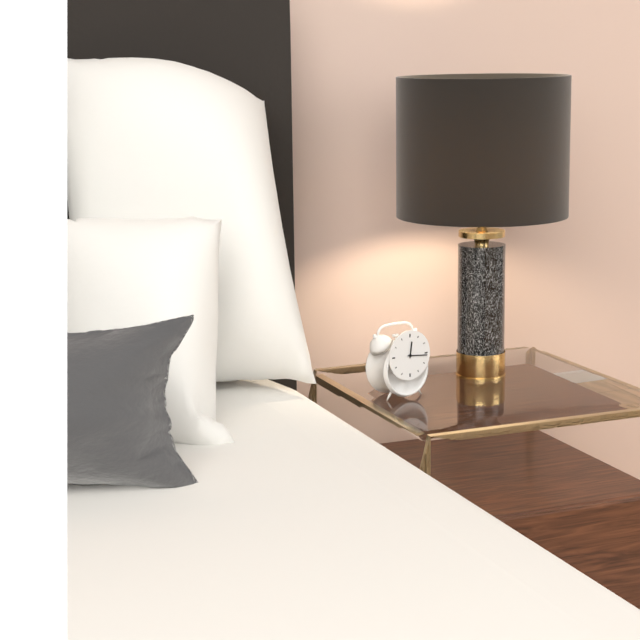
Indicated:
12:16
